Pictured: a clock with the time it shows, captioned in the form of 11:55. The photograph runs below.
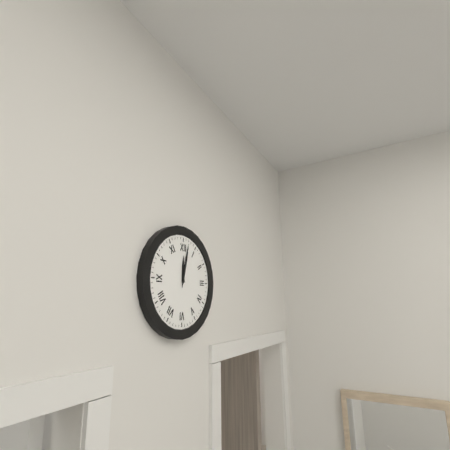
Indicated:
12:02
